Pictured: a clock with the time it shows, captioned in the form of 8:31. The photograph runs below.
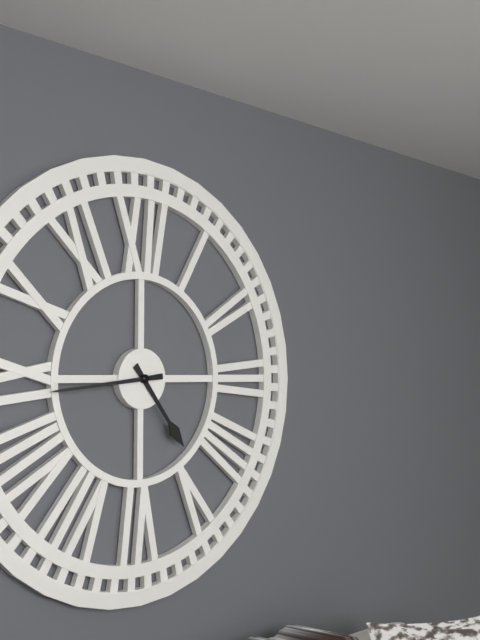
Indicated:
4:44
